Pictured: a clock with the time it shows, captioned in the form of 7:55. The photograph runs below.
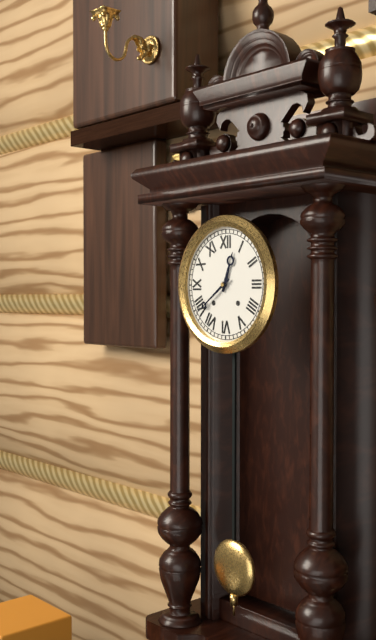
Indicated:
12:39
